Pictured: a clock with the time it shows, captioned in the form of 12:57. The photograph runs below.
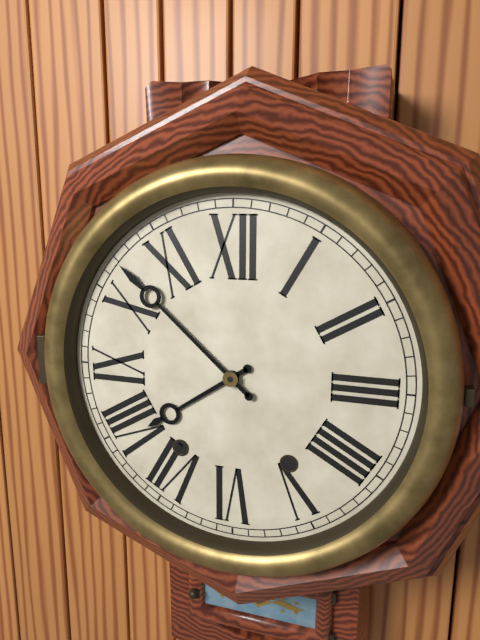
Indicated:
7:52
